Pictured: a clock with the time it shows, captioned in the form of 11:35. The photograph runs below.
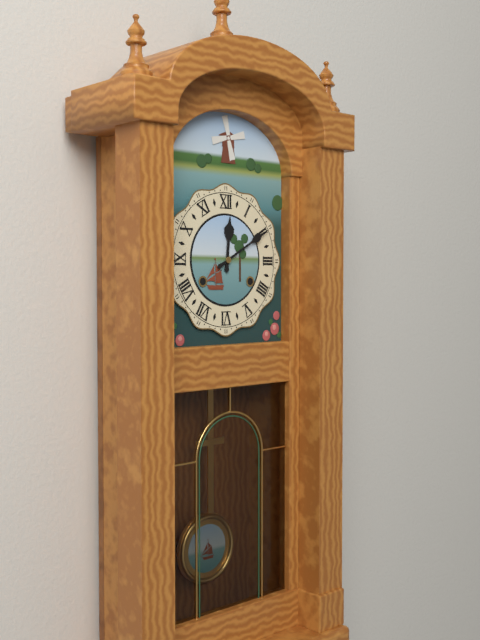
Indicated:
12:10
